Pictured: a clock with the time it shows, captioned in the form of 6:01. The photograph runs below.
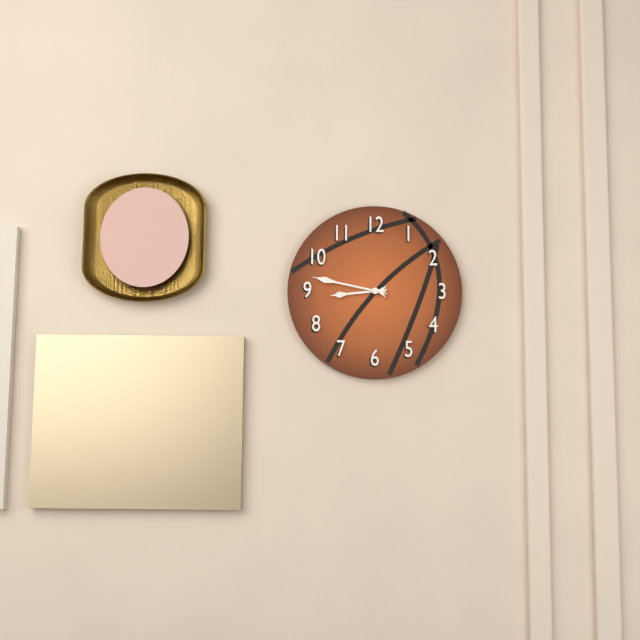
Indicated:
8:47
